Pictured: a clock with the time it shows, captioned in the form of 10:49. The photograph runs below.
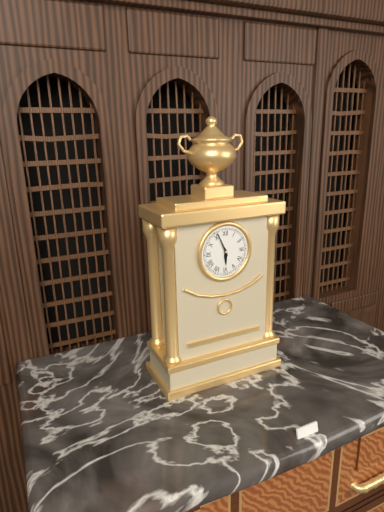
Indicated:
5:56
